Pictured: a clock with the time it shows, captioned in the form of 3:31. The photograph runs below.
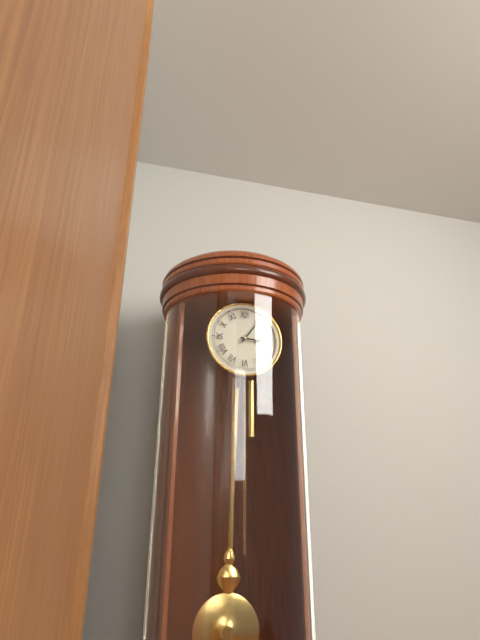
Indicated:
3:06
